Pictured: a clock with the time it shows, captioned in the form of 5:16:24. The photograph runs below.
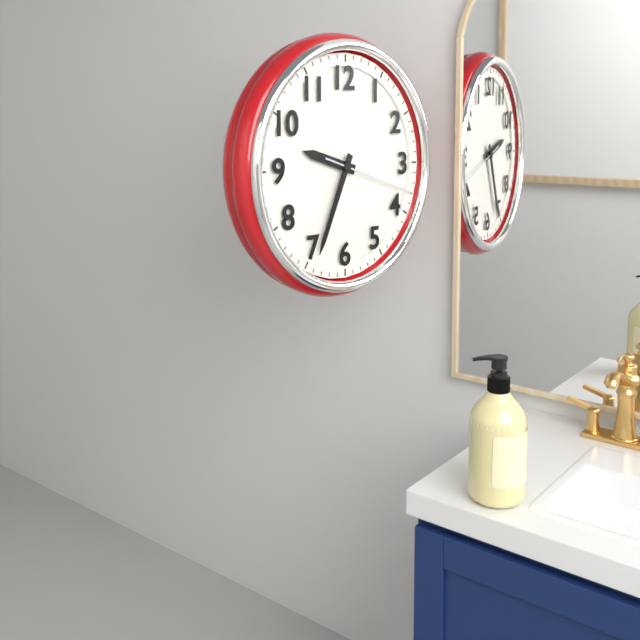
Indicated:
9:34:18
